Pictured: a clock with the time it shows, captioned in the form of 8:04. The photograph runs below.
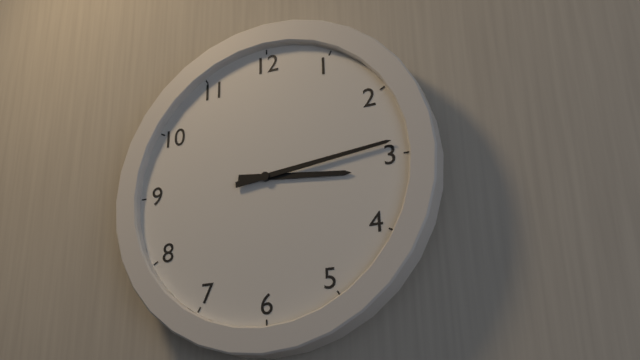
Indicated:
3:14
